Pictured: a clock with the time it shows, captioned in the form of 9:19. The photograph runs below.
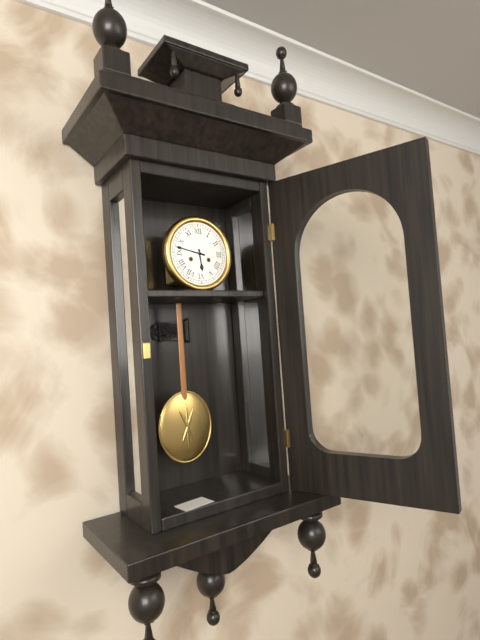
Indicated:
5:47
